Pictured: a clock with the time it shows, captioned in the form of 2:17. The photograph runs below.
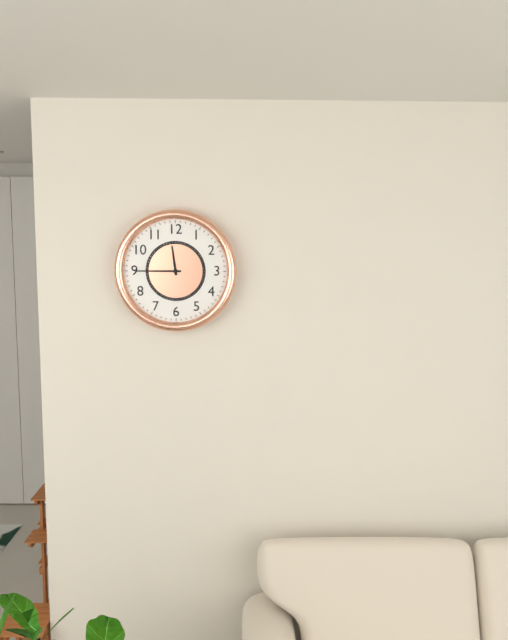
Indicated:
11:45
